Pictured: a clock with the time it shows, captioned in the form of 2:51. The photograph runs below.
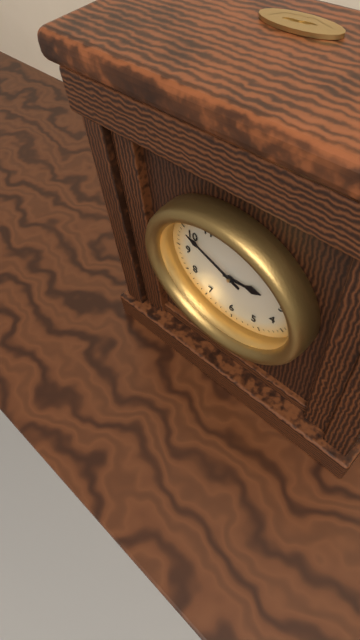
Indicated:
2:49
